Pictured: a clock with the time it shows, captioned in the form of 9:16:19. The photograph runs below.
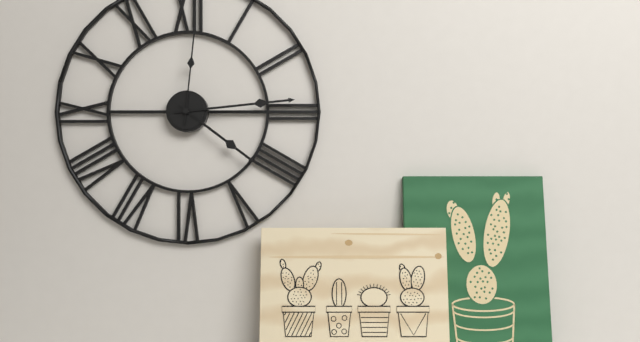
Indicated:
4:14:01
